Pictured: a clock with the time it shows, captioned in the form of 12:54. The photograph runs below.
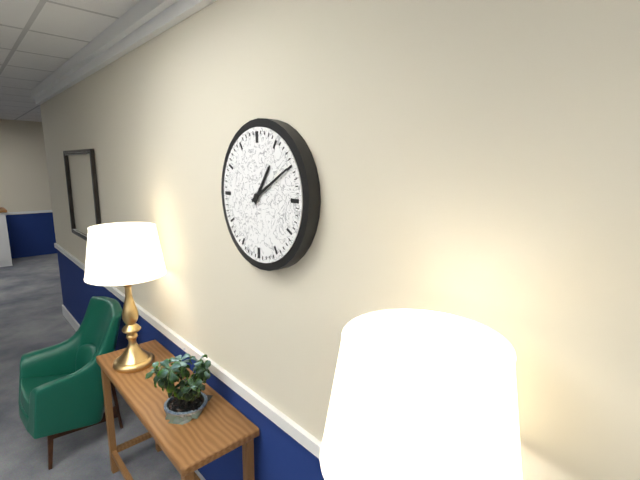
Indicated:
1:10
